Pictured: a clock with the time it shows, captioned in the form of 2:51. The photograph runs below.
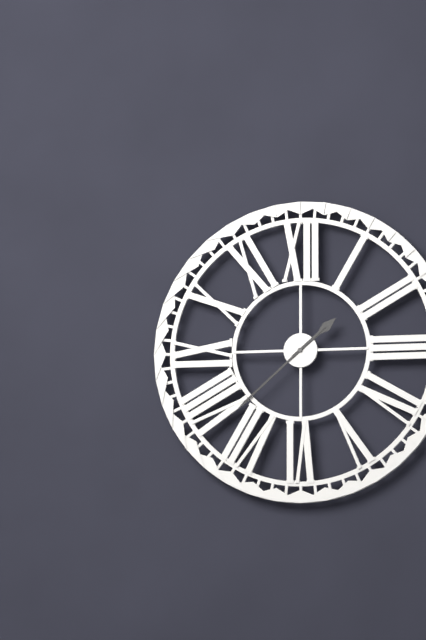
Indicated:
1:38
